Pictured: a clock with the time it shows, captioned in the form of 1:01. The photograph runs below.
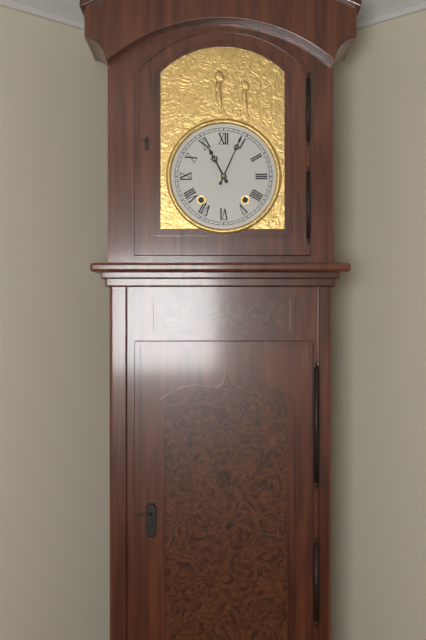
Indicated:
11:04
